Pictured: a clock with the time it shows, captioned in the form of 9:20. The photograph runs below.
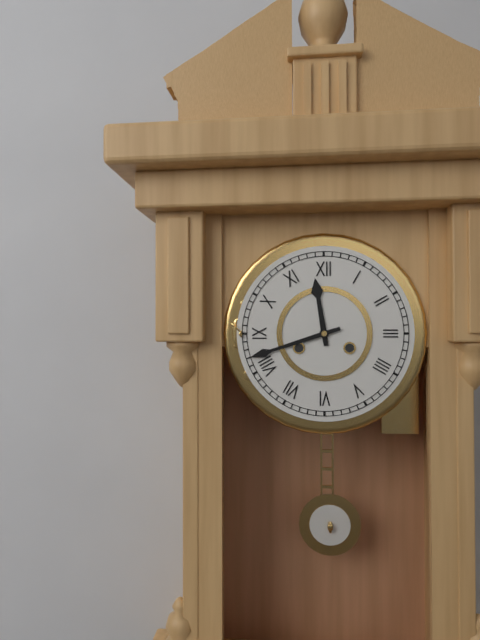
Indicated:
11:42
